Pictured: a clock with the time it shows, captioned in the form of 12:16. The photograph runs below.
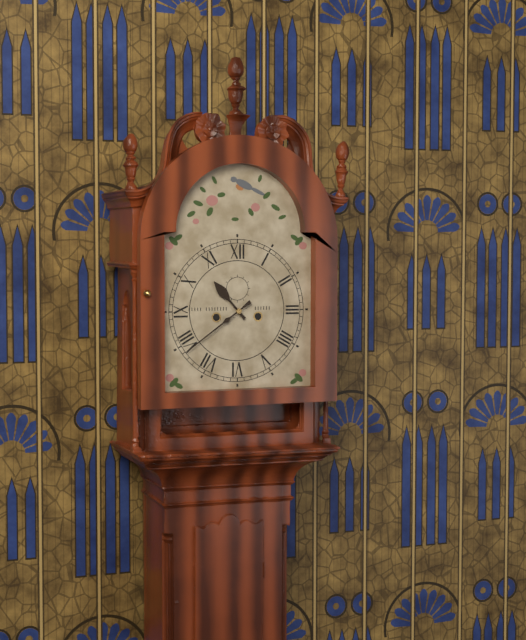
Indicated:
10:39
